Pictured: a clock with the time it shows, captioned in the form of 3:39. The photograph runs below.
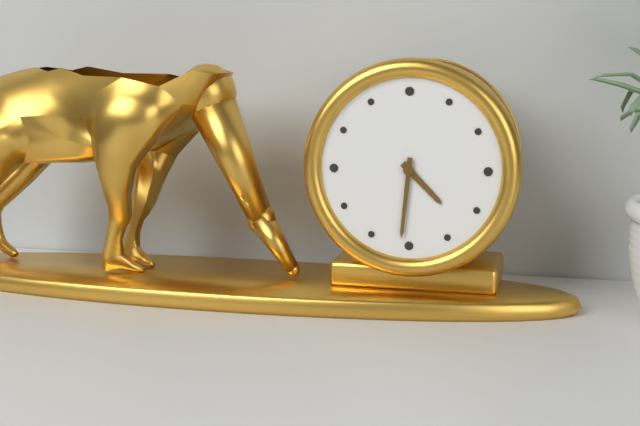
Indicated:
4:31
